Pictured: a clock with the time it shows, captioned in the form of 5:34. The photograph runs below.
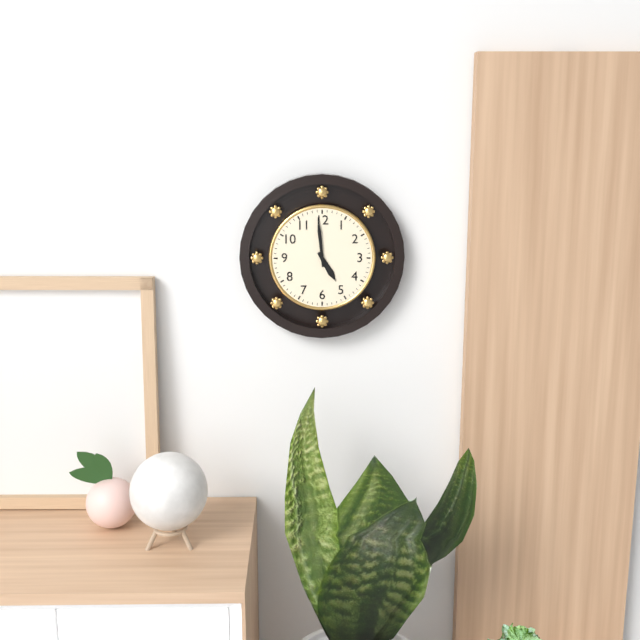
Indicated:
4:59
